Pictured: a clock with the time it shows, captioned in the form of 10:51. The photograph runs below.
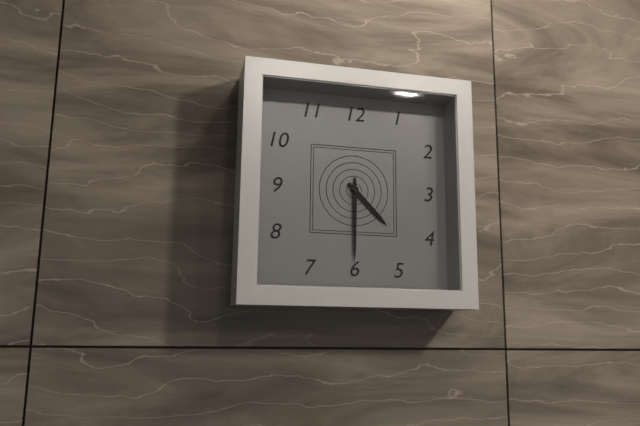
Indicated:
4:30
